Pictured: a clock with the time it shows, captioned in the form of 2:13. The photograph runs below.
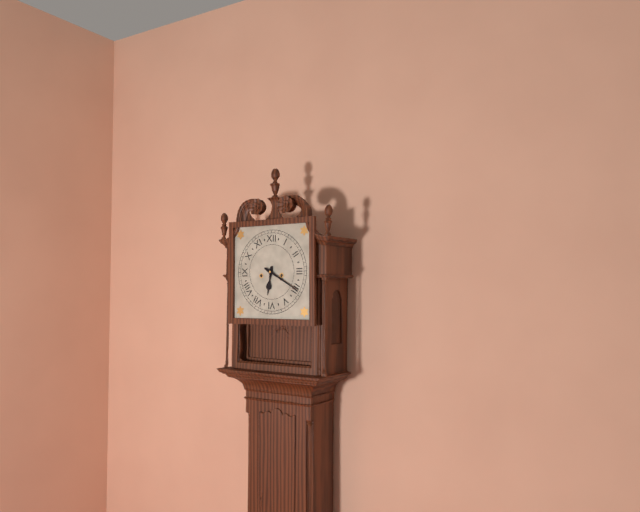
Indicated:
6:20
